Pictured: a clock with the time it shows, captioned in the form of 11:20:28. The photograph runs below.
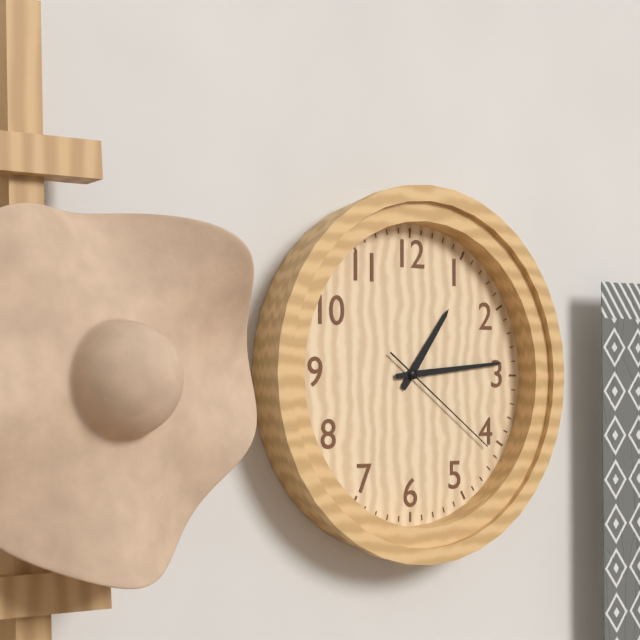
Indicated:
1:14:21
